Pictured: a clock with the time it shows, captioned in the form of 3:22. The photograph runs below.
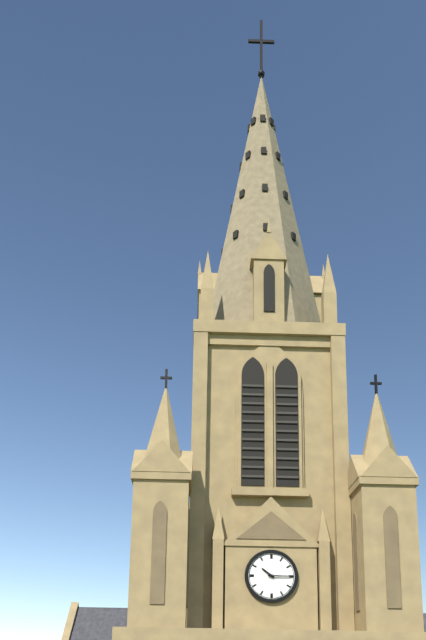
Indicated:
10:15
